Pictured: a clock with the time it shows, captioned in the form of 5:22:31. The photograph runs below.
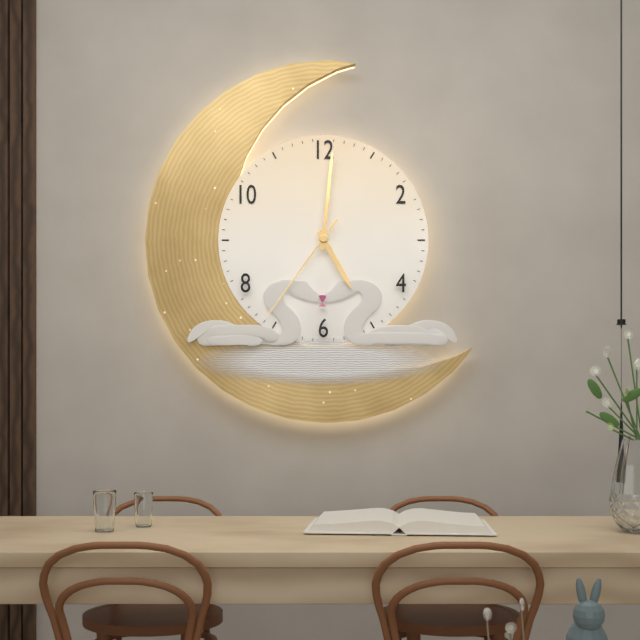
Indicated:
5:01:36
